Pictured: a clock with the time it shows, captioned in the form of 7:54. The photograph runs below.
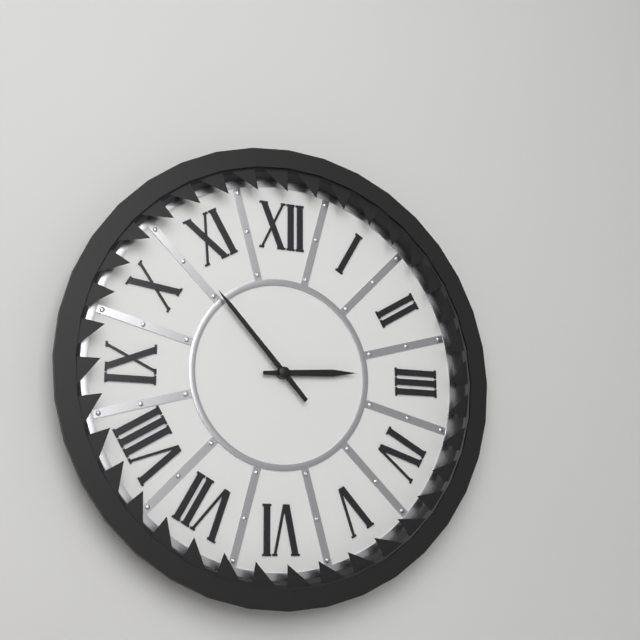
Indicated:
2:53
